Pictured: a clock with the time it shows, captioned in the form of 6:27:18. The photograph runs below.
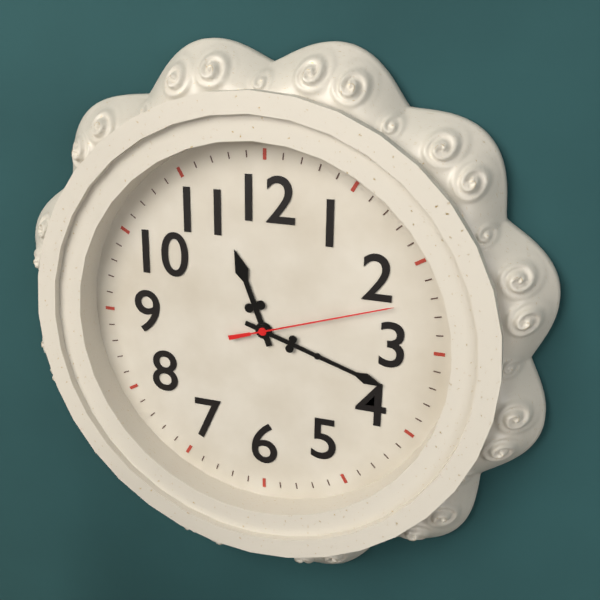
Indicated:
11:18:12
